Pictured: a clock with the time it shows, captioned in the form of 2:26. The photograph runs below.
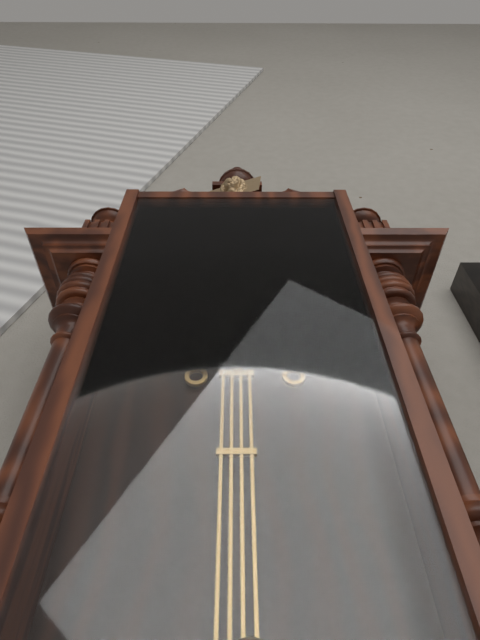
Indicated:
4:20
